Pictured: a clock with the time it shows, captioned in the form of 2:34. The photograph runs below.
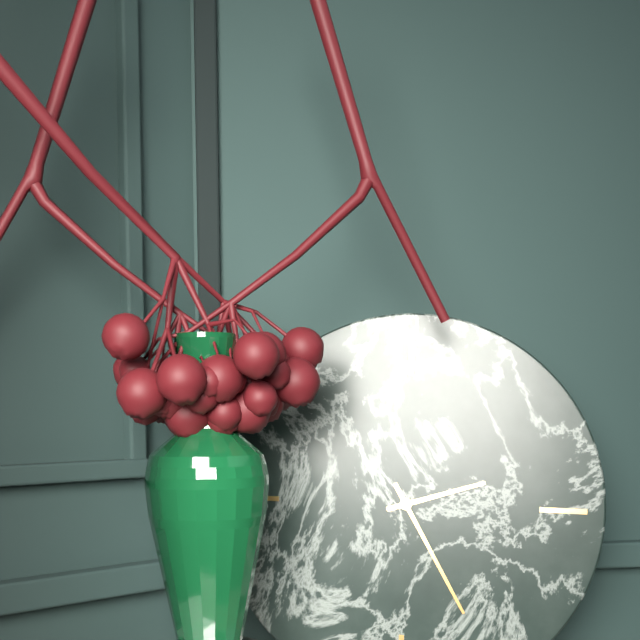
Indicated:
2:25
